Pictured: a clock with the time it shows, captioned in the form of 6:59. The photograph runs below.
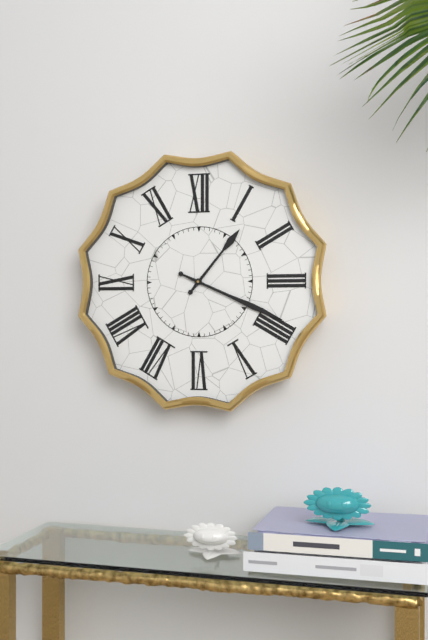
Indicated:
1:19
